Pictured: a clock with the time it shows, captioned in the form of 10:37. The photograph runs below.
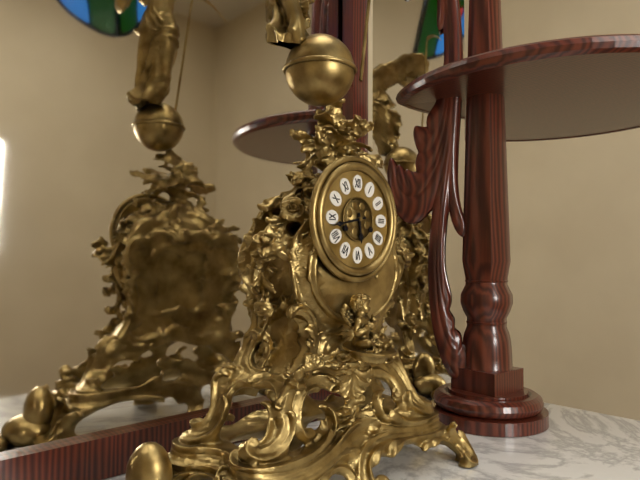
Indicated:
5:43
